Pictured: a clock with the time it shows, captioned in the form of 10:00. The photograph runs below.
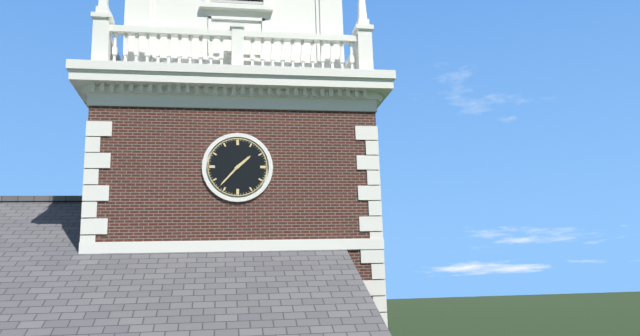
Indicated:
1:37
